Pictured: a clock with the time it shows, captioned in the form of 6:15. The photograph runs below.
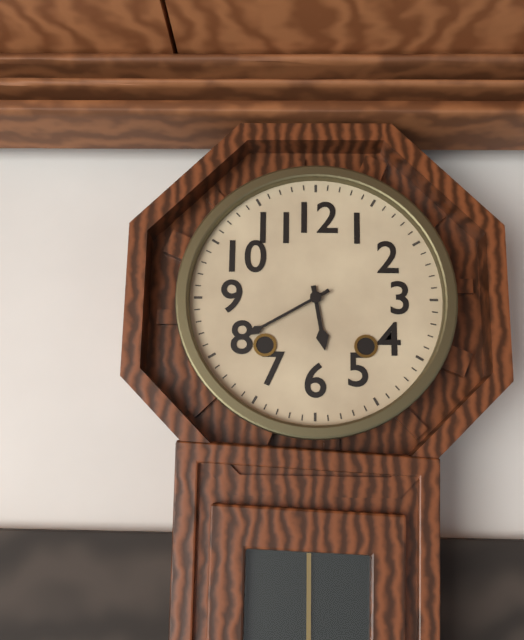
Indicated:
5:40
